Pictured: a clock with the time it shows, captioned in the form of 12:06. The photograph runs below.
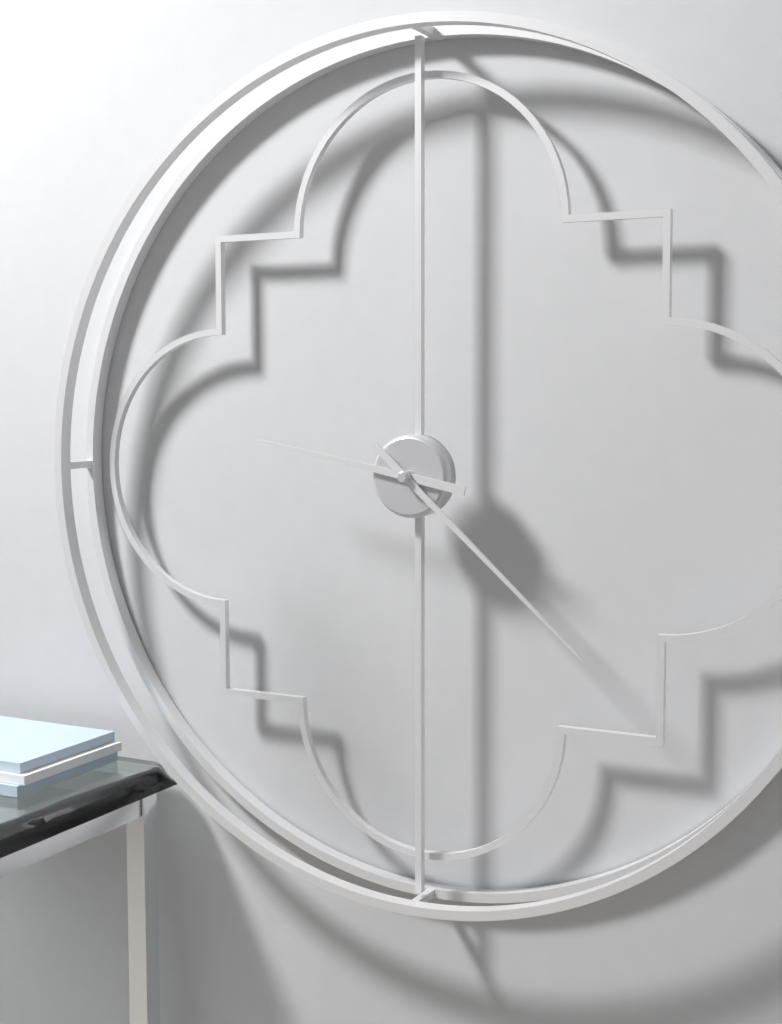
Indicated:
9:22
